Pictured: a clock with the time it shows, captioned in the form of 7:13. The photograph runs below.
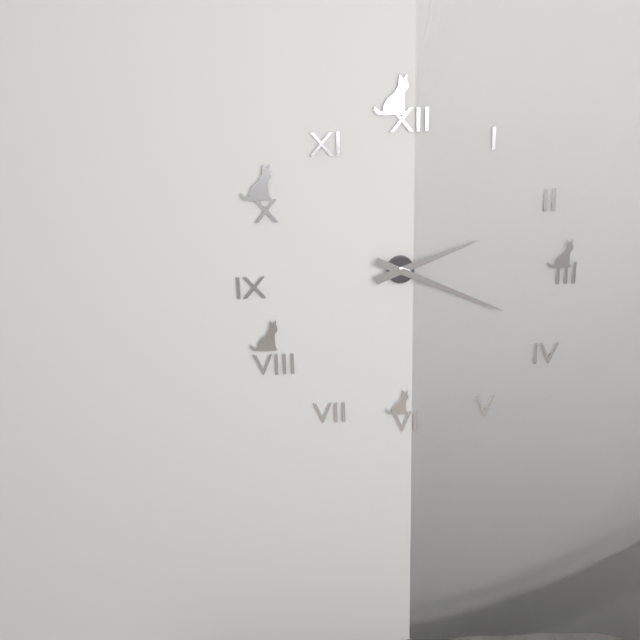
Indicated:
2:19
